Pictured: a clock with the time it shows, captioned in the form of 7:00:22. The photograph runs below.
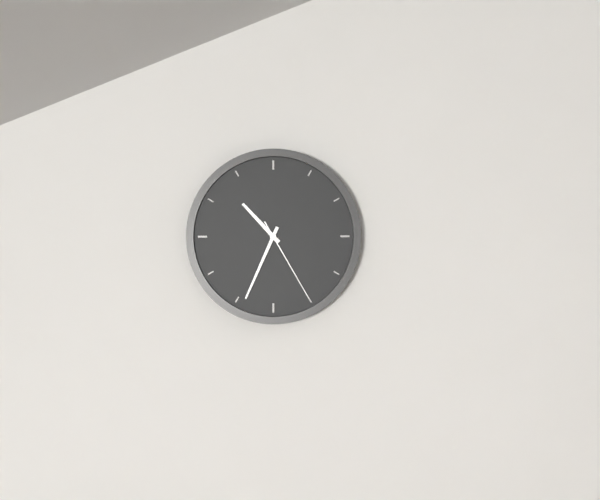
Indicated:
10:34:25
